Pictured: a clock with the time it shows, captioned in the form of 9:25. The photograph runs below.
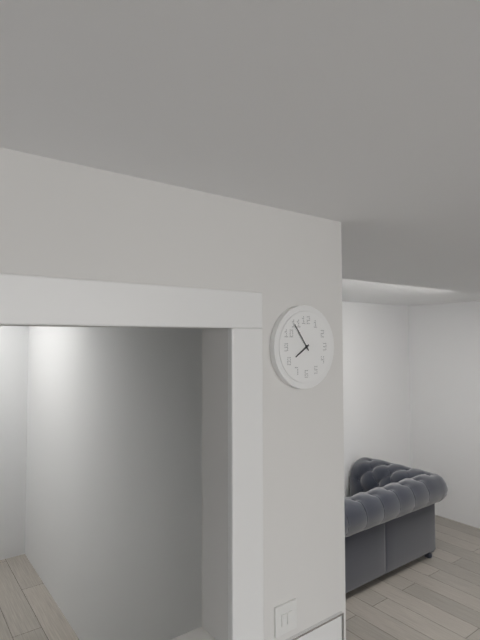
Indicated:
7:54
